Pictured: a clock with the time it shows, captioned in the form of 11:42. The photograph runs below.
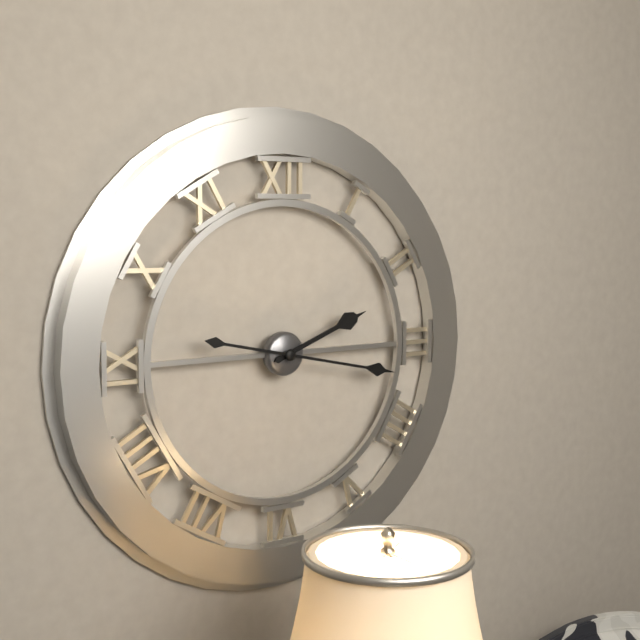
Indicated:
2:17
